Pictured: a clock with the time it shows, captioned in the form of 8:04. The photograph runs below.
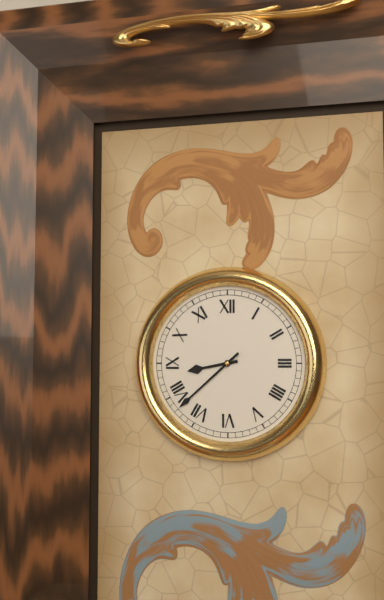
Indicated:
8:38
